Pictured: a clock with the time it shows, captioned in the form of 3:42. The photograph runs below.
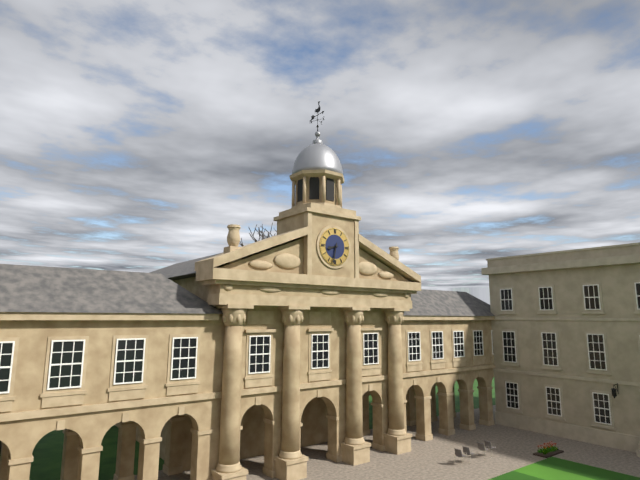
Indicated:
8:32
